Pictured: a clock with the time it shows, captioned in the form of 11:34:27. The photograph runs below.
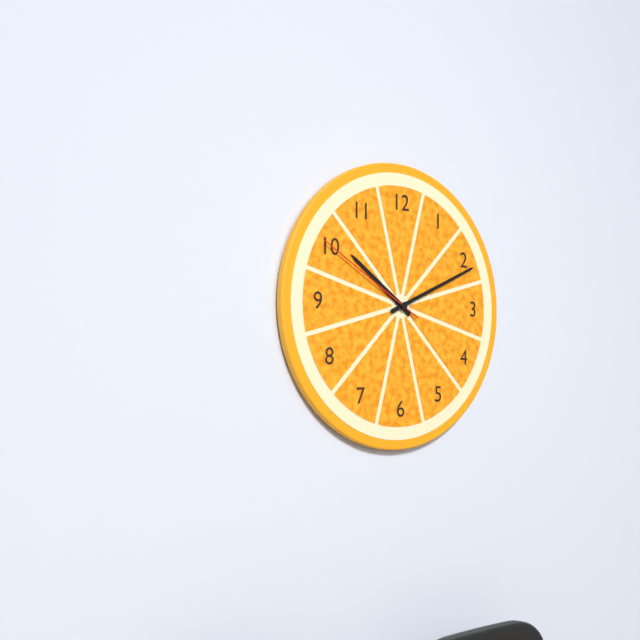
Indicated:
10:11:50
